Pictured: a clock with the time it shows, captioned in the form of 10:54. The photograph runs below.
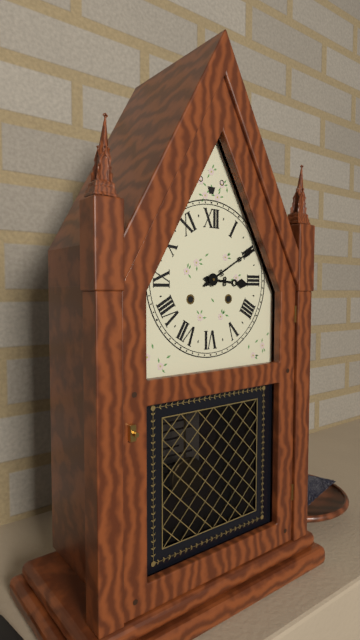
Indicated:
3:10
